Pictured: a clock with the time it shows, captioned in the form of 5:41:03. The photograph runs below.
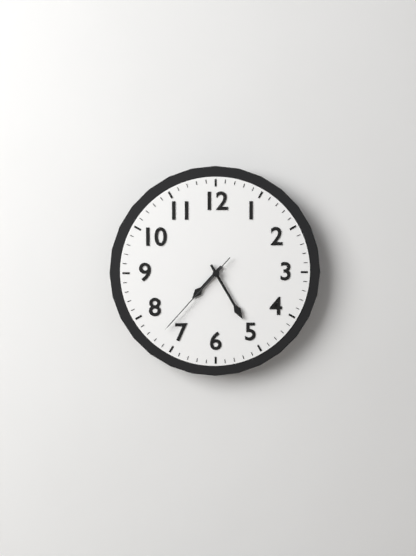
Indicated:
7:25:37
